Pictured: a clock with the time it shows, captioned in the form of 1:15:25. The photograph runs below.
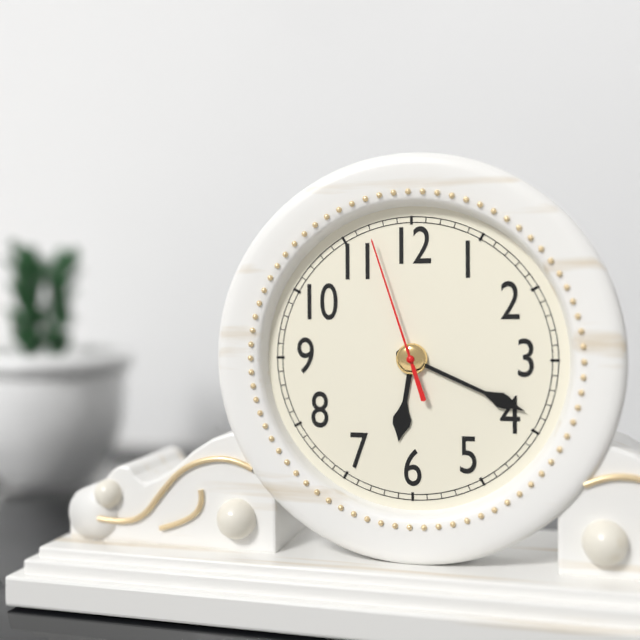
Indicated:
6:19:57
